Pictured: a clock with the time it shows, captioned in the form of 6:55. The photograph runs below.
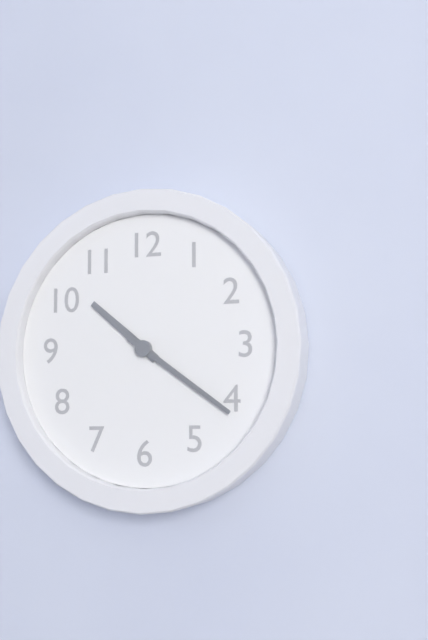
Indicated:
10:21
